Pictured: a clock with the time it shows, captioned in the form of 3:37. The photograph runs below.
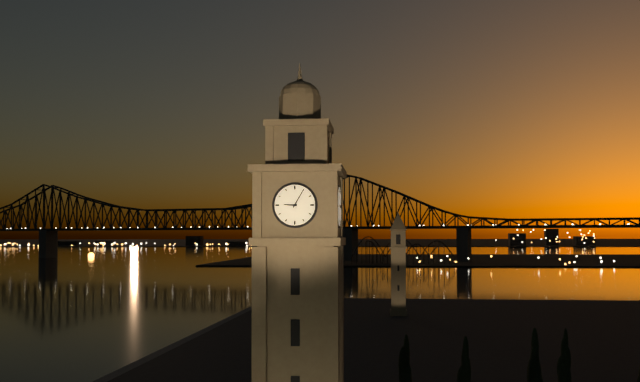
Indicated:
9:05
